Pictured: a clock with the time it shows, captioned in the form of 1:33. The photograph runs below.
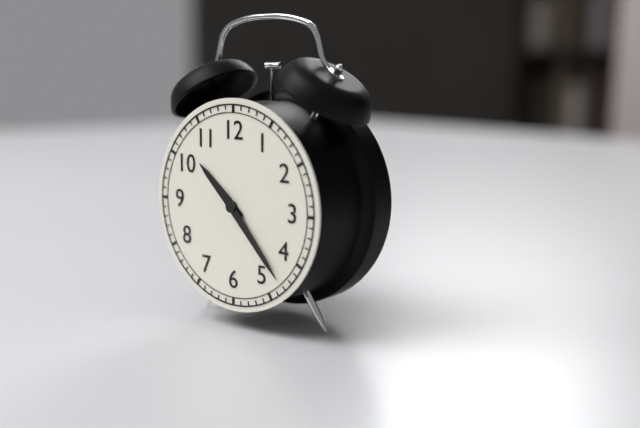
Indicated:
10:23
